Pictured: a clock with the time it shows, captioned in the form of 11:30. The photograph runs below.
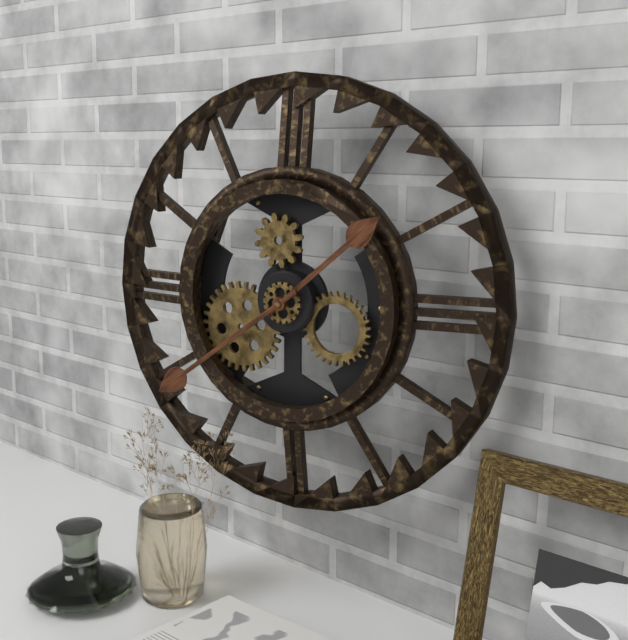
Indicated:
1:39
